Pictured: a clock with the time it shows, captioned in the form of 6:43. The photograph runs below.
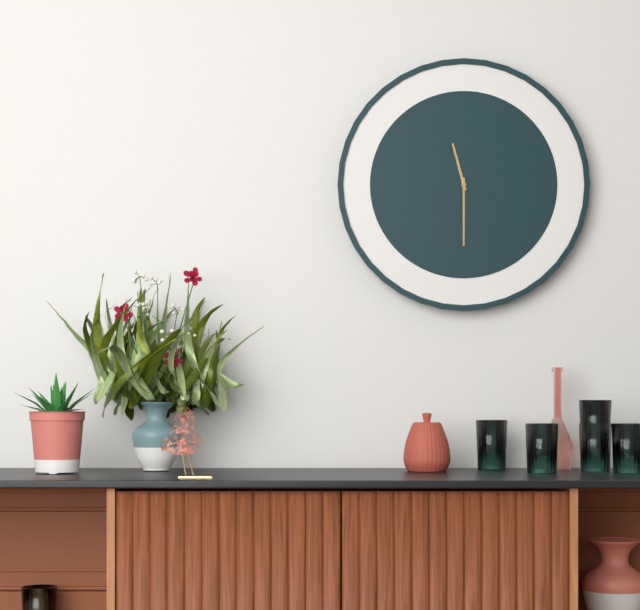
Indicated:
11:30
